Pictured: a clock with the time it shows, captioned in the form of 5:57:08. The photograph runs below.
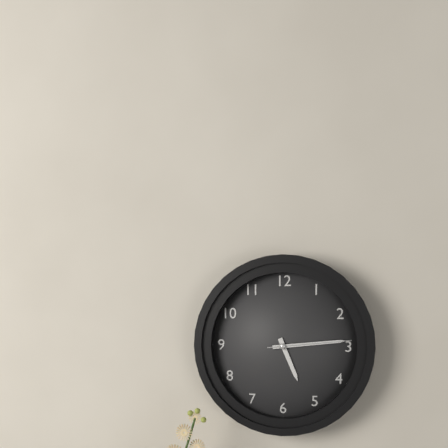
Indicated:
5:14:14
